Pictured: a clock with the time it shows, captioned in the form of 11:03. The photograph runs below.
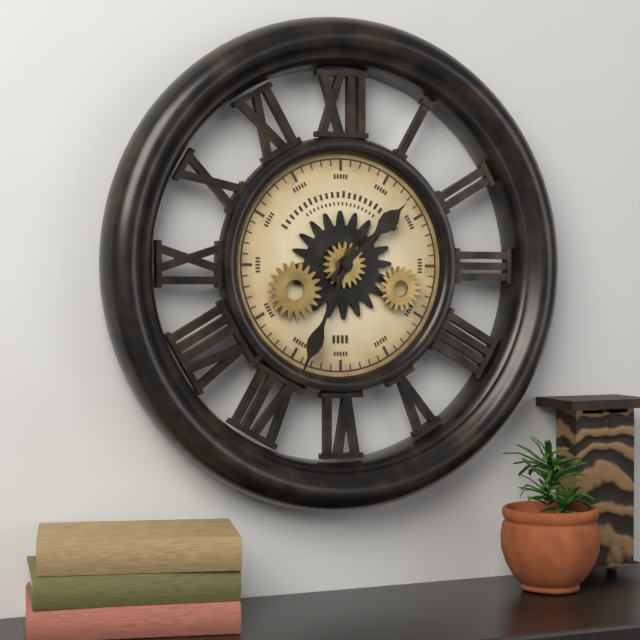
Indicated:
1:34
